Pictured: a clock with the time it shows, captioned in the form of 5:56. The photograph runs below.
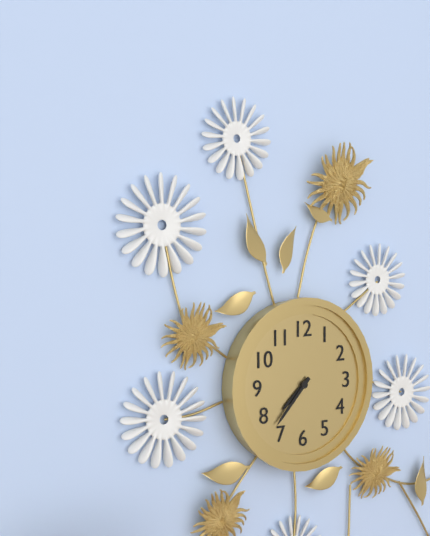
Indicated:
7:37
